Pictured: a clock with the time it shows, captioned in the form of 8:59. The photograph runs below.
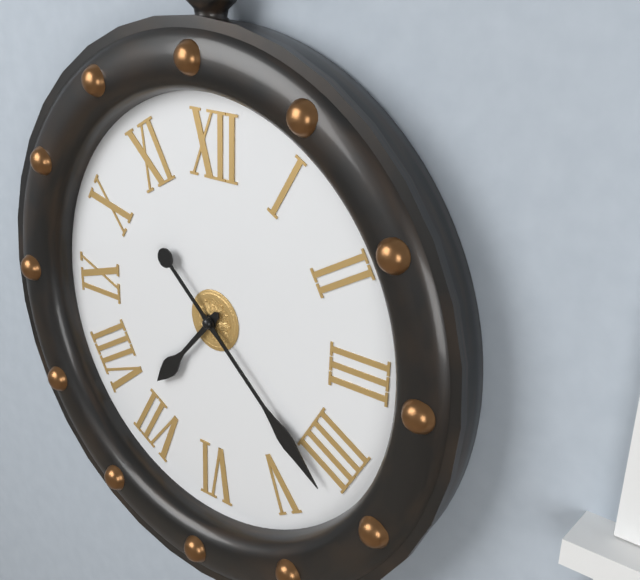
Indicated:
7:22
